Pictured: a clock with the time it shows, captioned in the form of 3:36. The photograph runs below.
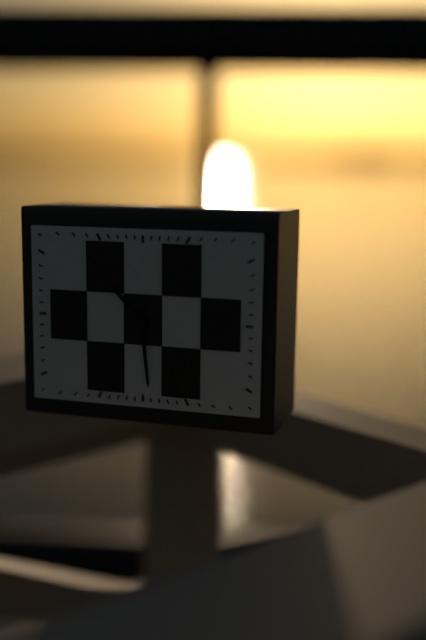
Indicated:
10:29
